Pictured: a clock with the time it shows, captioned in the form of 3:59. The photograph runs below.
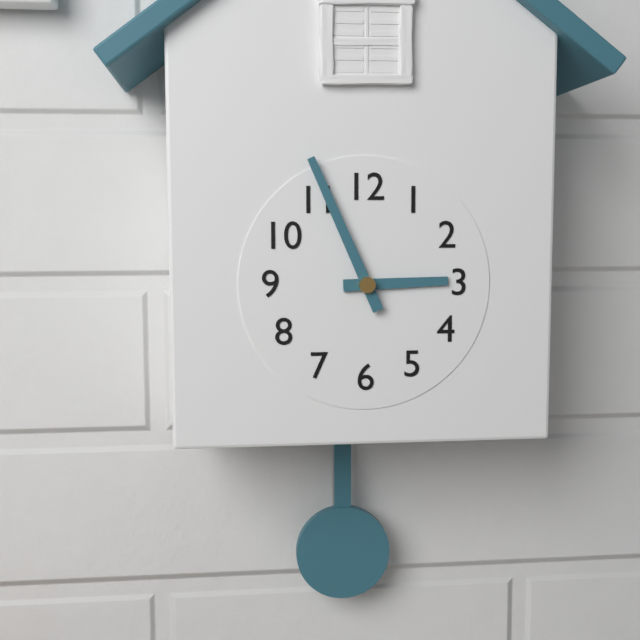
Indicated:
2:56
